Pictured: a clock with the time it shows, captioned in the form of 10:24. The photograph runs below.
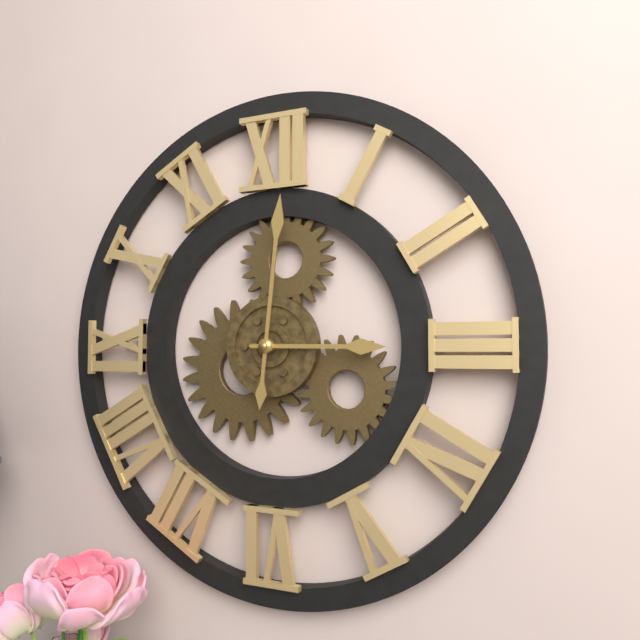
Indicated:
3:01
